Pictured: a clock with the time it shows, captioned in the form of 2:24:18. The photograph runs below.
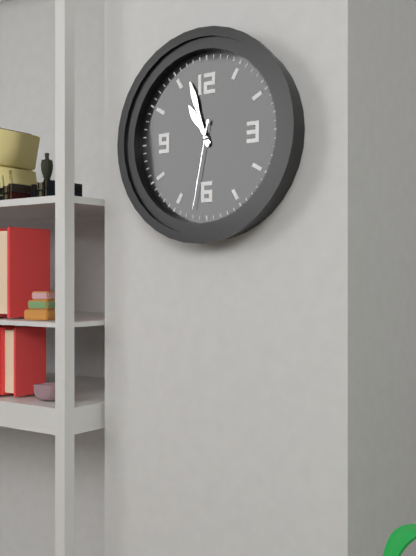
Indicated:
10:57:32
